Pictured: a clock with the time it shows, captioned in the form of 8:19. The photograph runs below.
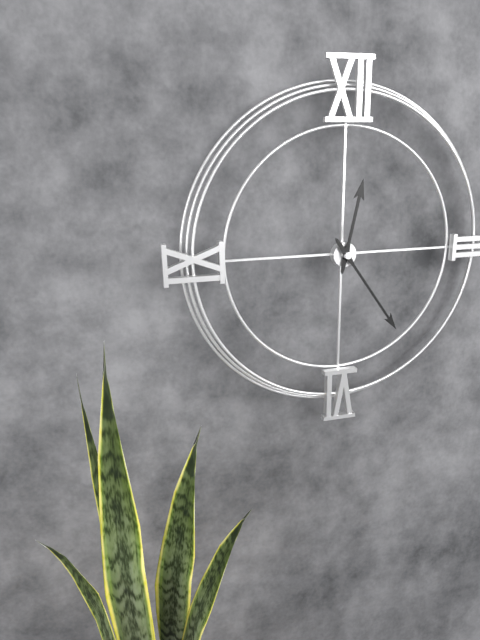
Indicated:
12:24
